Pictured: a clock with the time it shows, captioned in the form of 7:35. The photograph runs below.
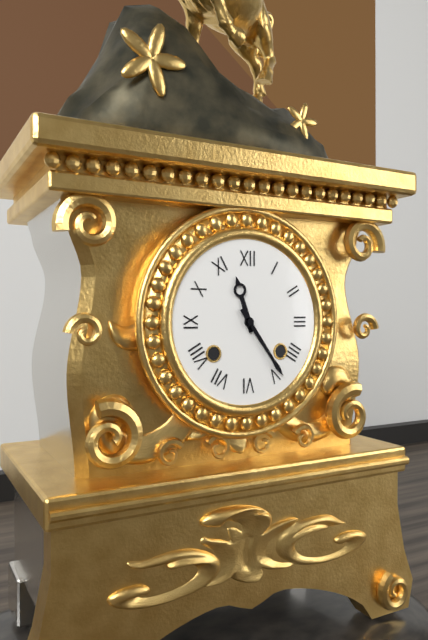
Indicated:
11:24
